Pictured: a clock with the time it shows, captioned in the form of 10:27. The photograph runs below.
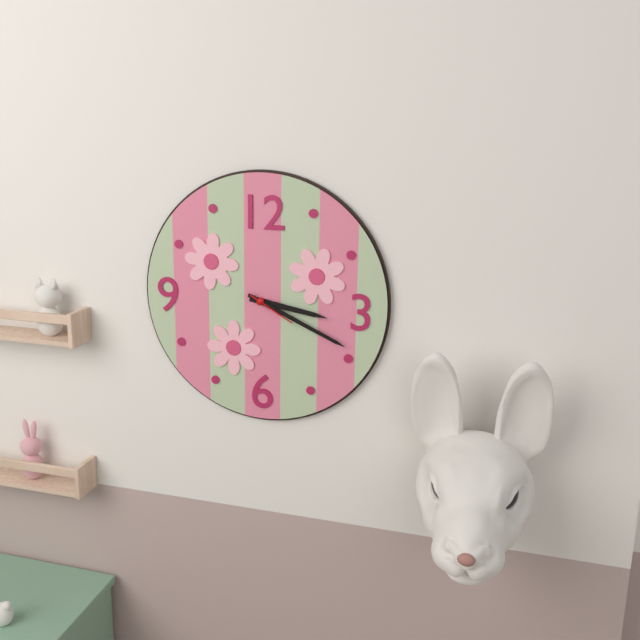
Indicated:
3:19
